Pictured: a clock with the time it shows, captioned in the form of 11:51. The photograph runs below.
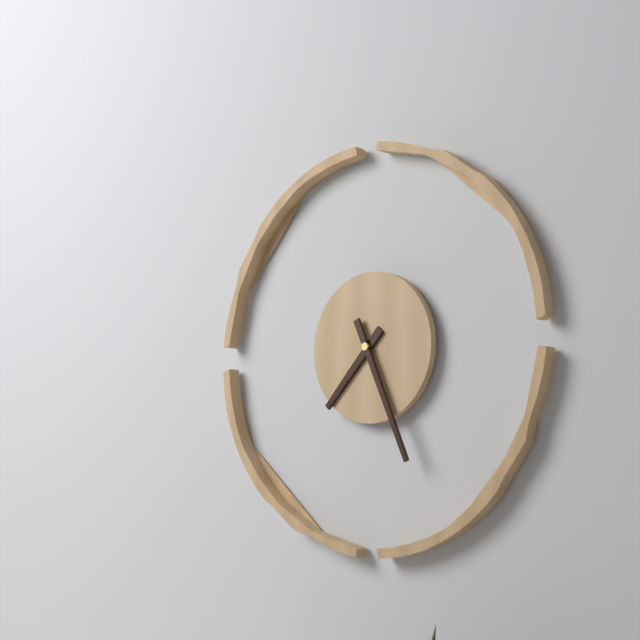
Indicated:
7:26
